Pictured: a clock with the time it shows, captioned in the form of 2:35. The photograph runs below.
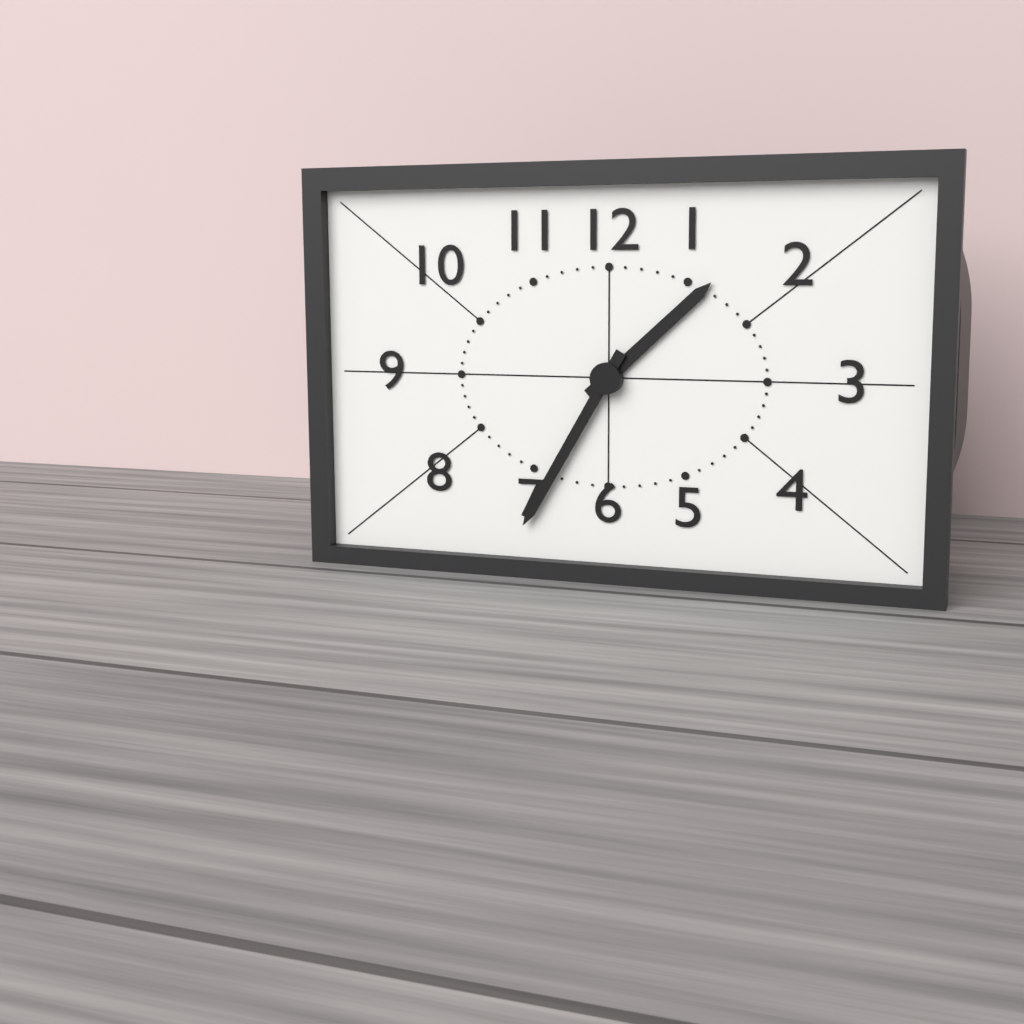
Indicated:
1:35
